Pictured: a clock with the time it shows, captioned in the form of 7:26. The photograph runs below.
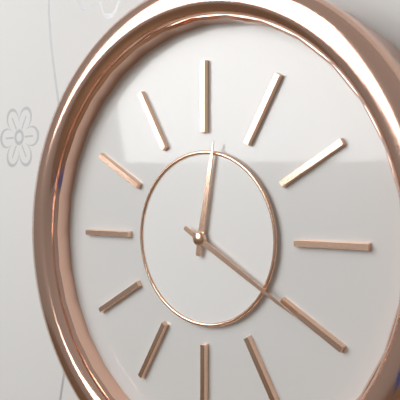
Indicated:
12:20
